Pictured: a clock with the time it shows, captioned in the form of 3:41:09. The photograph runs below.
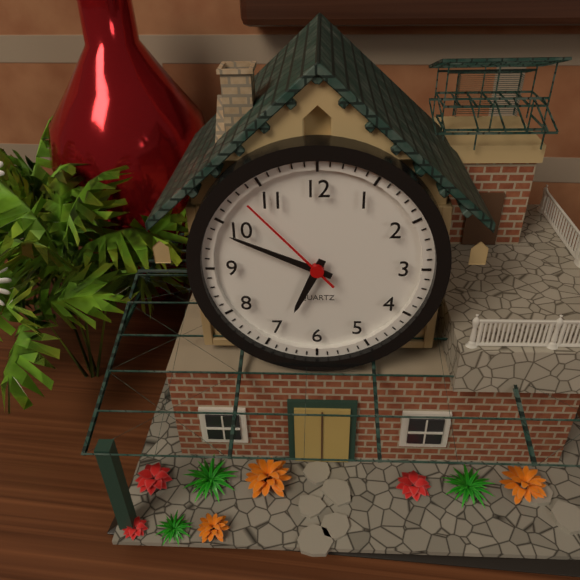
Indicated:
6:49:53
